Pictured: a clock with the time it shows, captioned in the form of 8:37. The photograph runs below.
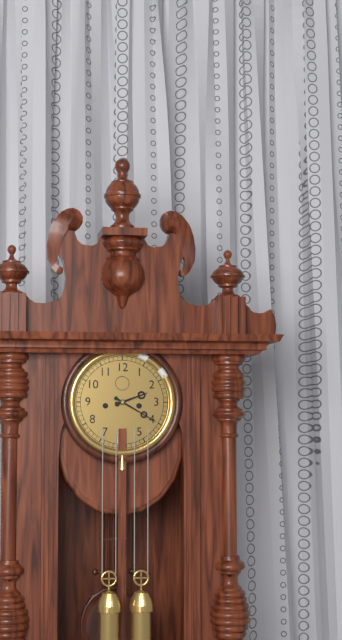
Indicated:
2:20
